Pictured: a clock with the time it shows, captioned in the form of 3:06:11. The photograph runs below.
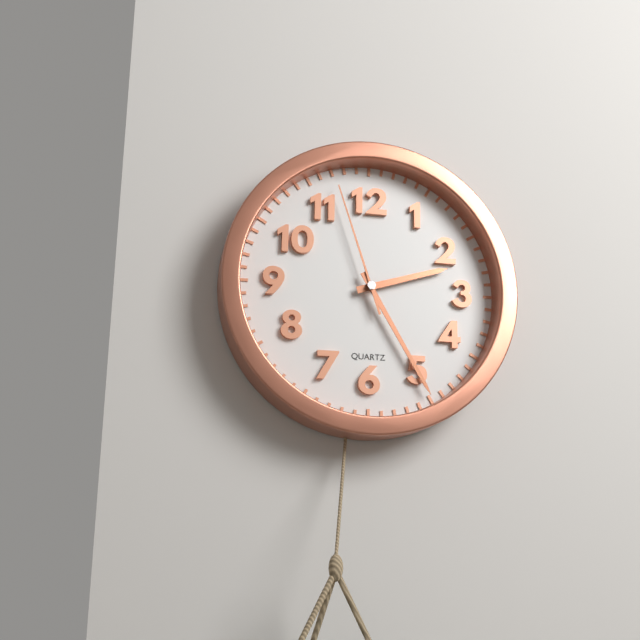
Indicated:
2:25:57
